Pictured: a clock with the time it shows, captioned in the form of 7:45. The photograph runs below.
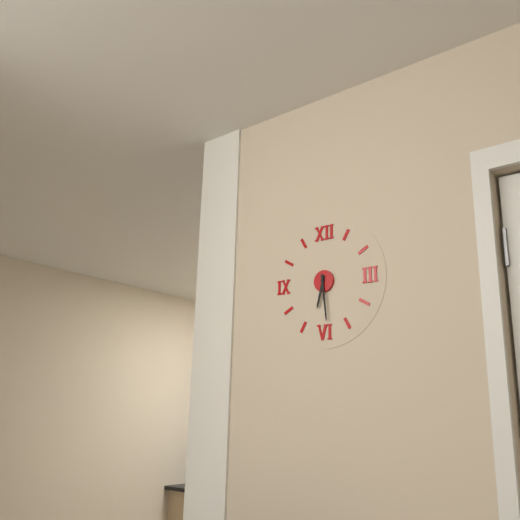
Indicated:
6:29
